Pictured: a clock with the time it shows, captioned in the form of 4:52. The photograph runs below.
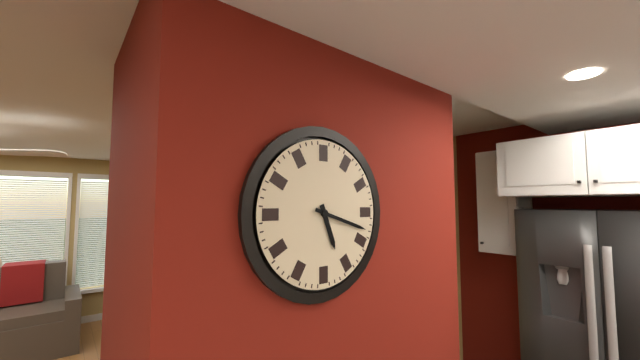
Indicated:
5:18
